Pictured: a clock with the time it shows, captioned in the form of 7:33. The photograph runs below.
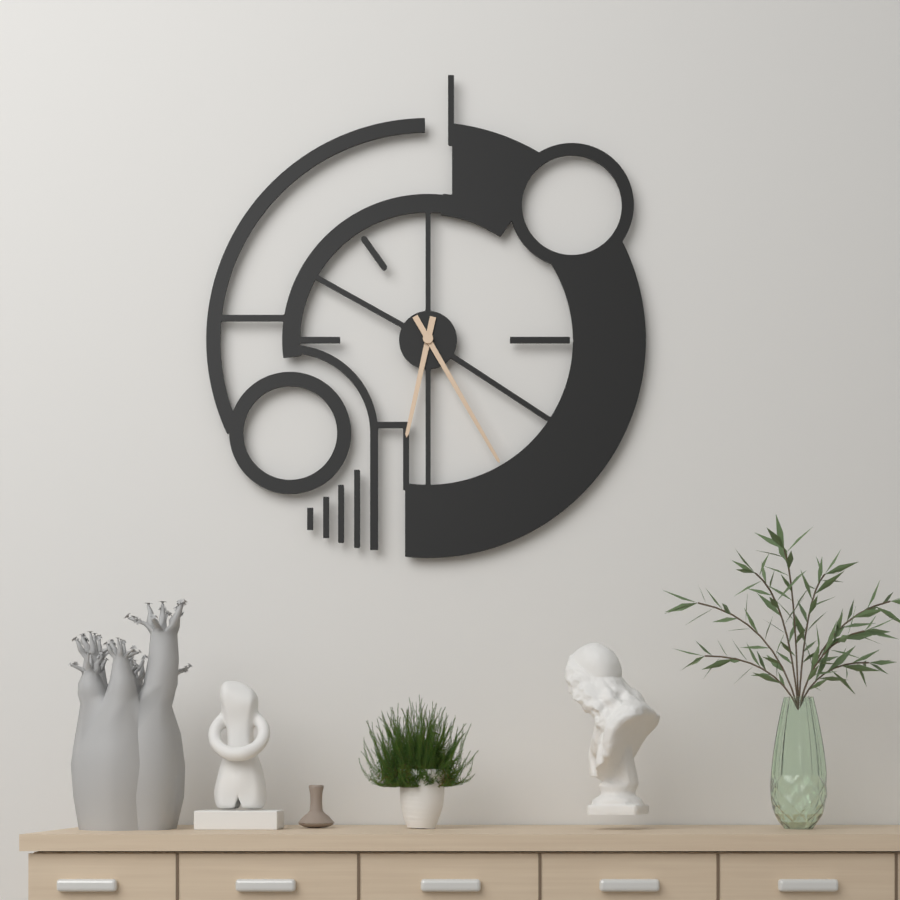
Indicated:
6:25
